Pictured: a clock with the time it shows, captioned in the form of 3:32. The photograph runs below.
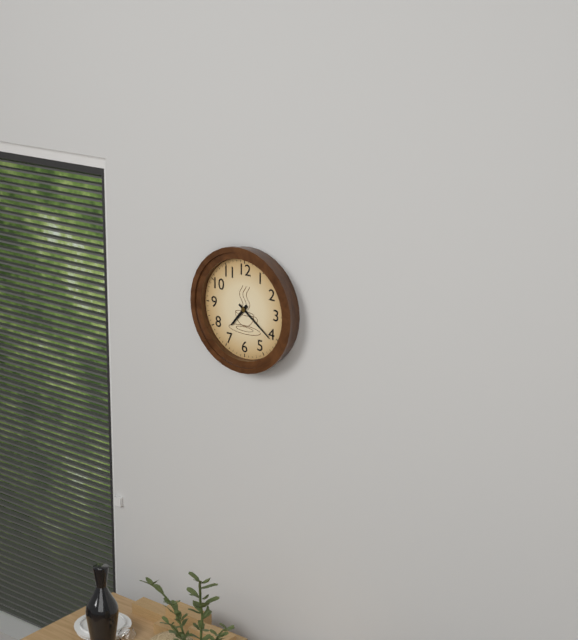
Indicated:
7:21
